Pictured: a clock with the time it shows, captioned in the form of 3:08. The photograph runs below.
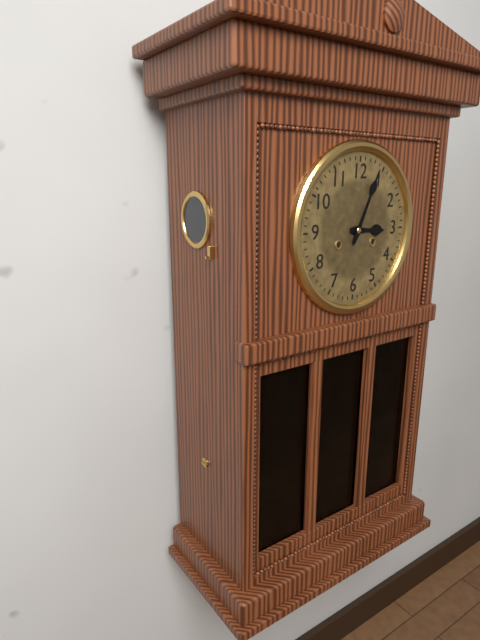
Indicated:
3:04
